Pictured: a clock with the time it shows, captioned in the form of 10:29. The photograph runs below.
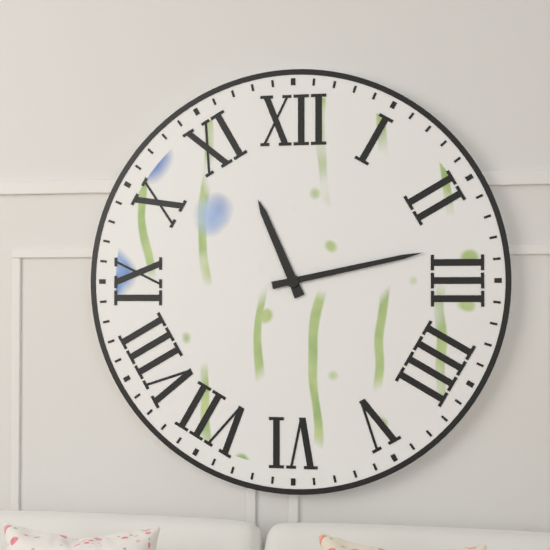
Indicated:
11:13
